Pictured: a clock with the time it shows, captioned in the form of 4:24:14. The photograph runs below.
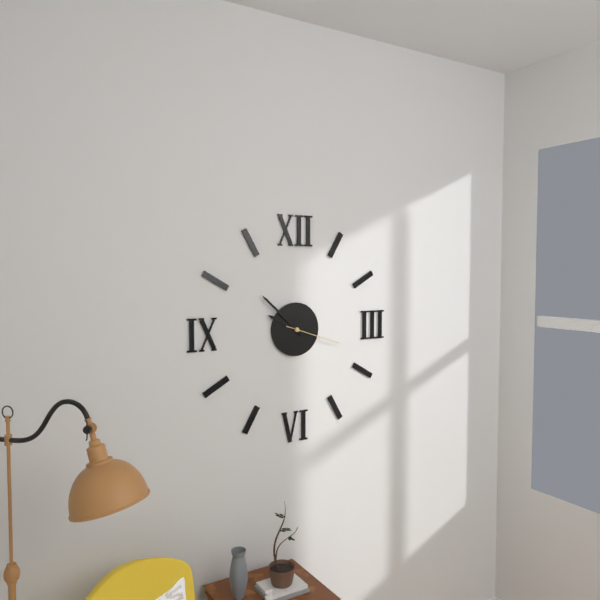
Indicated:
9:52:18
